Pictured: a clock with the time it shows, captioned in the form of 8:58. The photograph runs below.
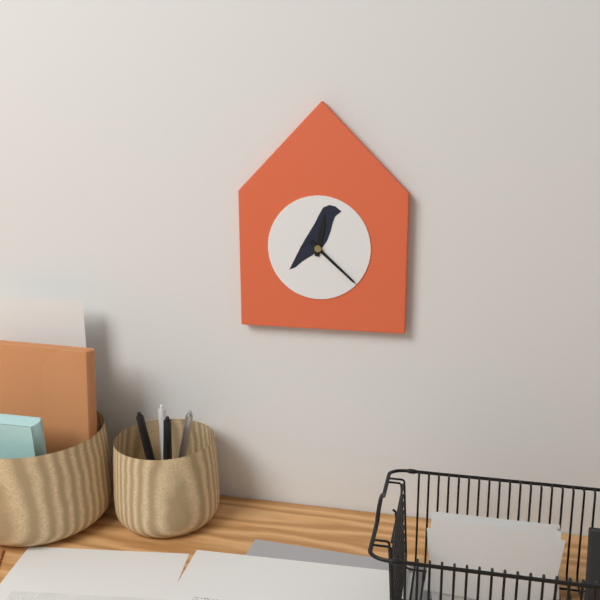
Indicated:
12:22
